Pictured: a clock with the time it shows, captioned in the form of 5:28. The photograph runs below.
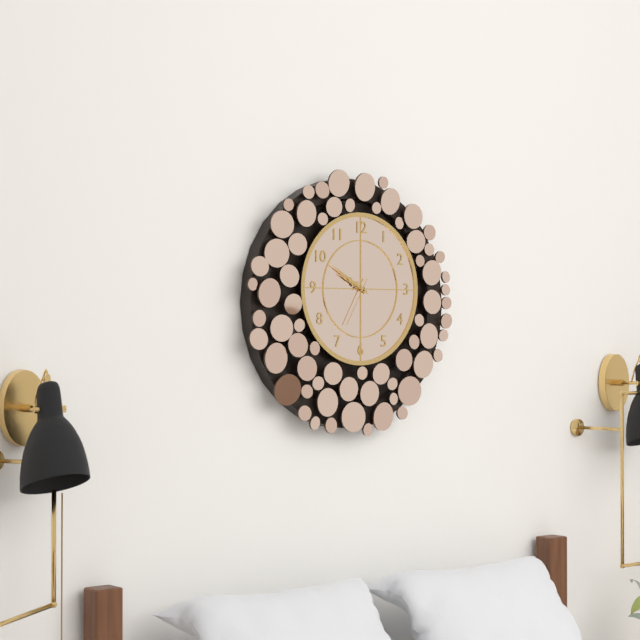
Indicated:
9:50
